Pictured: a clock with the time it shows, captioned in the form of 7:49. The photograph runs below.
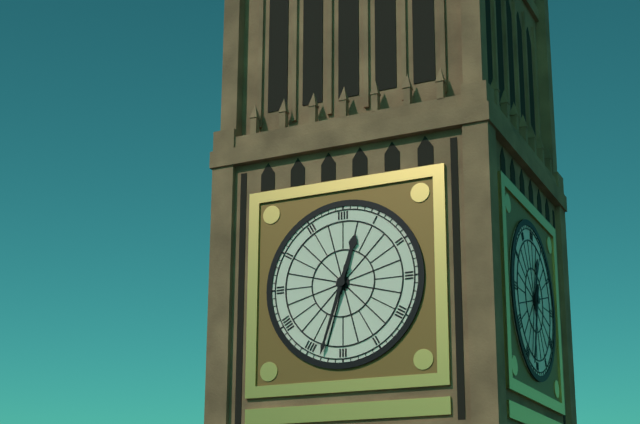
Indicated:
12:33
